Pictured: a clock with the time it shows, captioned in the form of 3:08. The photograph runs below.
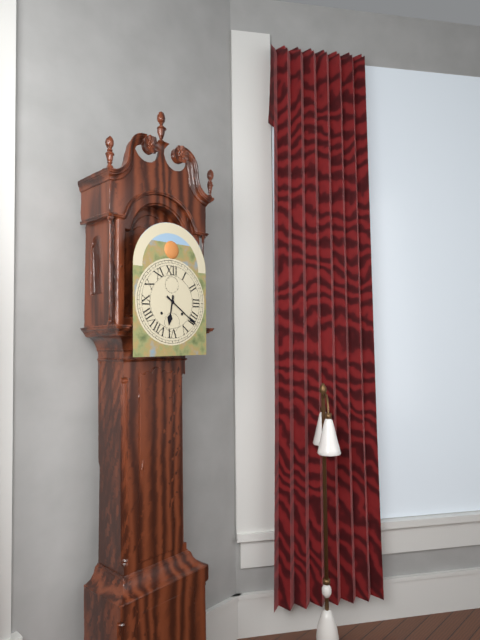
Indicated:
6:21
